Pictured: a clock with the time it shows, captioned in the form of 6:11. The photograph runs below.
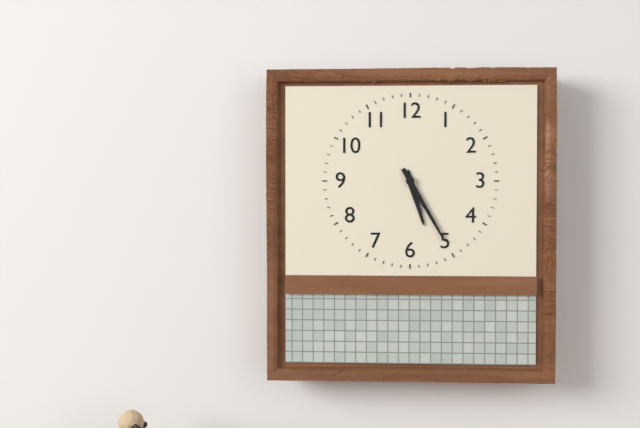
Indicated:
5:25
